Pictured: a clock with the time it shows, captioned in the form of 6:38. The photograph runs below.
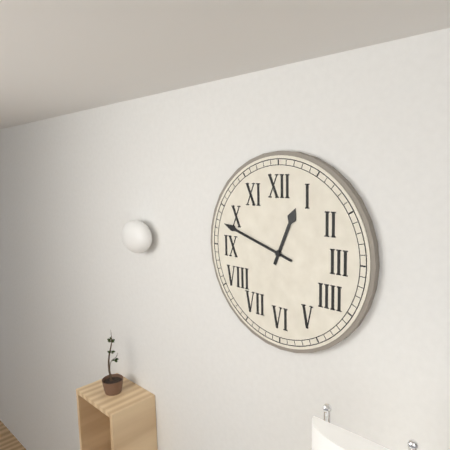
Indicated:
12:48
